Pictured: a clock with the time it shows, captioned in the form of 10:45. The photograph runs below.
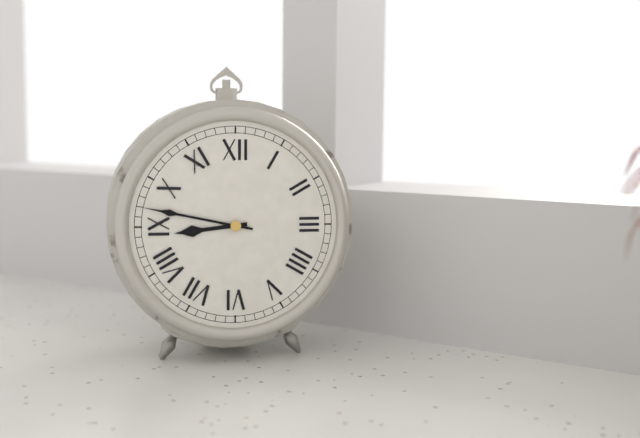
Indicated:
8:47
